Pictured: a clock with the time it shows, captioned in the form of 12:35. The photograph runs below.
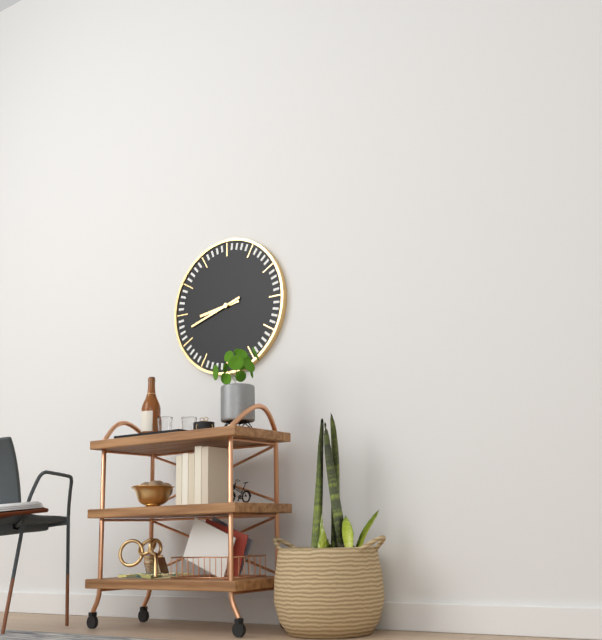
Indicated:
8:42
